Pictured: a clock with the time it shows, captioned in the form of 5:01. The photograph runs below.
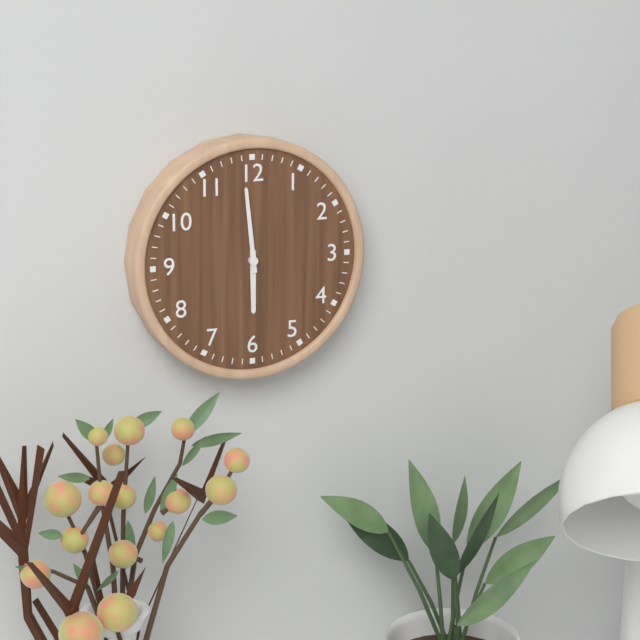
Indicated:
5:59
